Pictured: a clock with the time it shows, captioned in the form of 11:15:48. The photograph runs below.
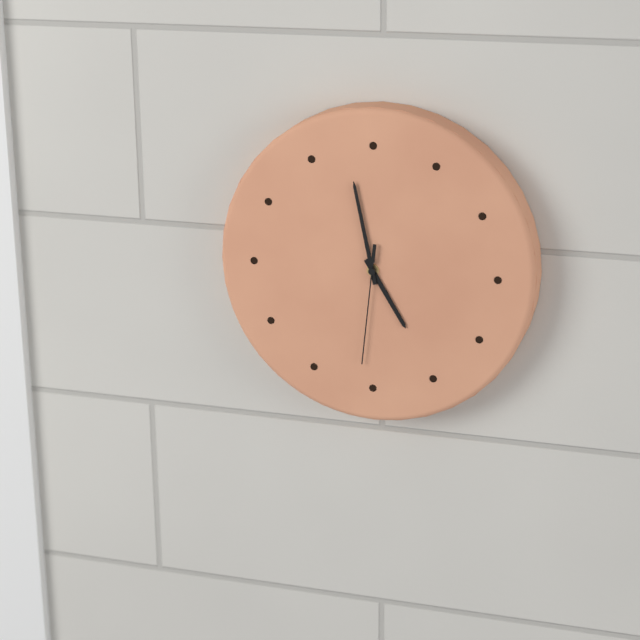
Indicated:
4:58:31
